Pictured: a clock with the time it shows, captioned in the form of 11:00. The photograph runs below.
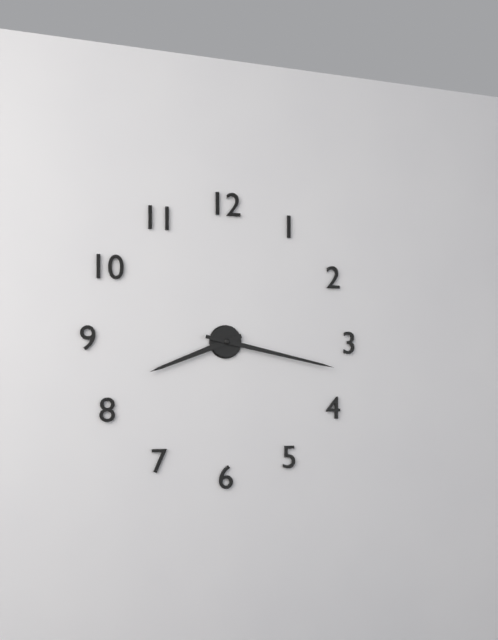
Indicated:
8:17
